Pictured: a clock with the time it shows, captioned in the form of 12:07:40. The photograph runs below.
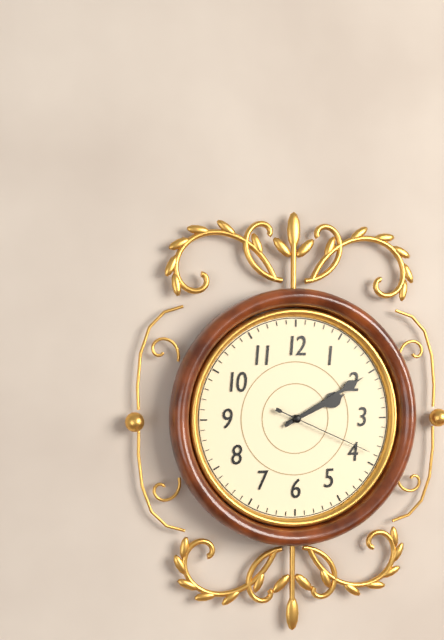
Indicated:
2:10:19
